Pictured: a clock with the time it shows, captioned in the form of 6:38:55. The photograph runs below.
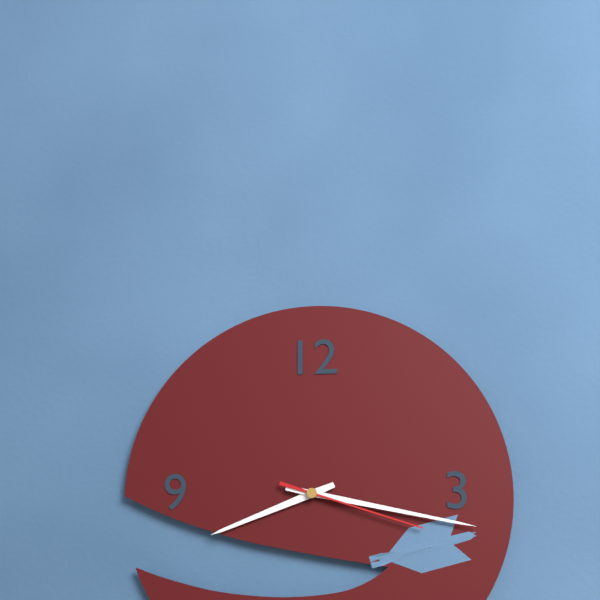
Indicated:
8:17:18
